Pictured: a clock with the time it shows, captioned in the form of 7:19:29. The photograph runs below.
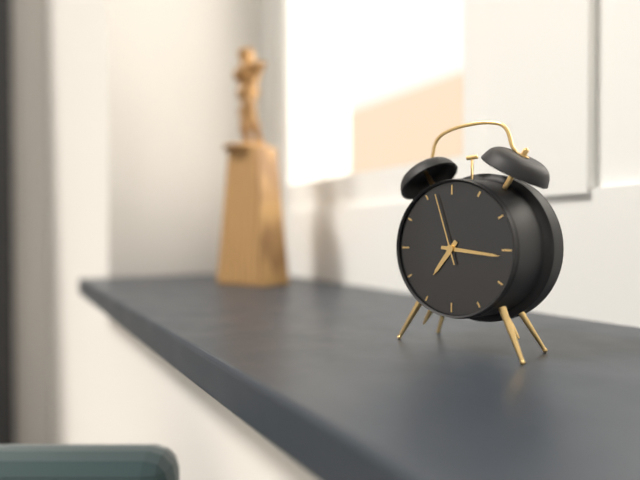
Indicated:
7:16:57
